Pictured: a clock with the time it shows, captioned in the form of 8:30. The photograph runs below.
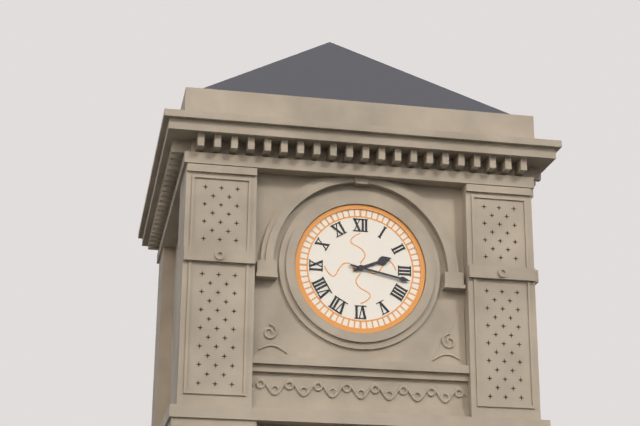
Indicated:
2:17
